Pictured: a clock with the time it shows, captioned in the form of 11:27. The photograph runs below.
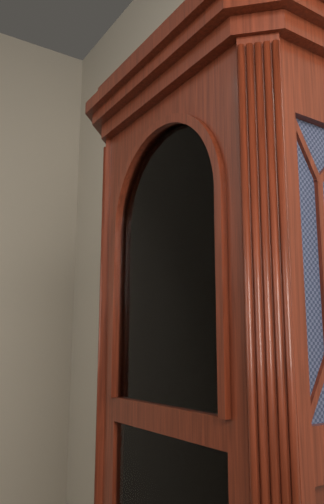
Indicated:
10:06
